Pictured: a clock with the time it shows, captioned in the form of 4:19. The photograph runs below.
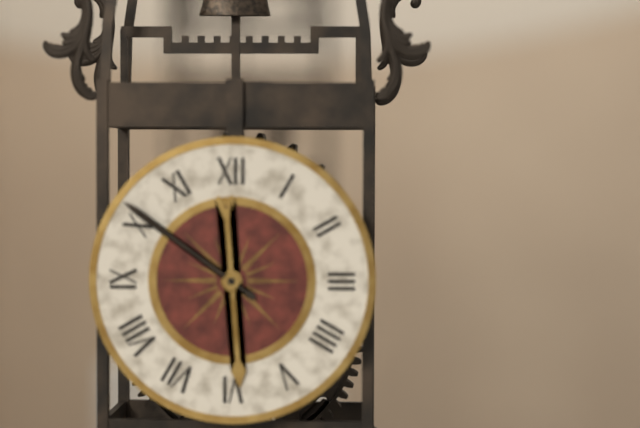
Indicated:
5:51
